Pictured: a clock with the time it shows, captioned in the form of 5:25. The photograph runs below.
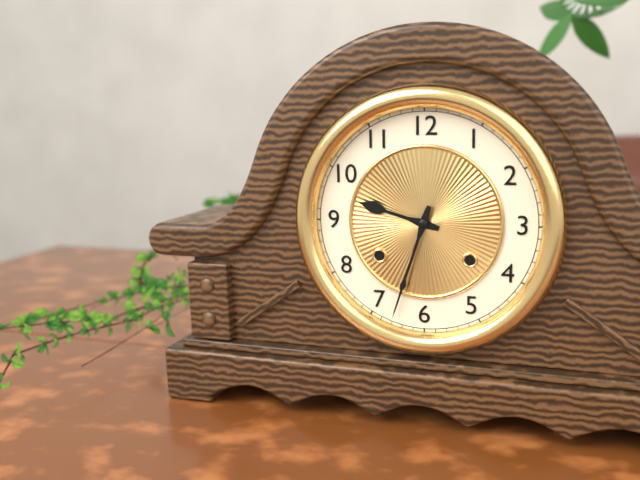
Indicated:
9:33
